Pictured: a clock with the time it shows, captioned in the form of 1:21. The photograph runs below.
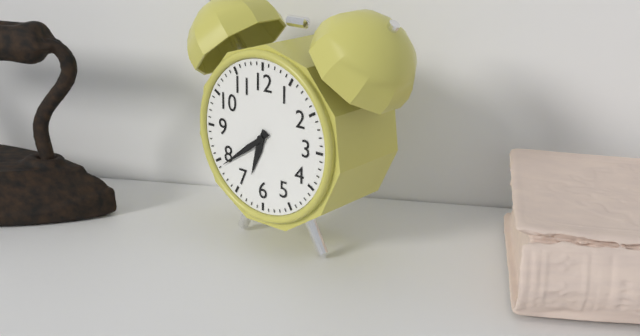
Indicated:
6:39
